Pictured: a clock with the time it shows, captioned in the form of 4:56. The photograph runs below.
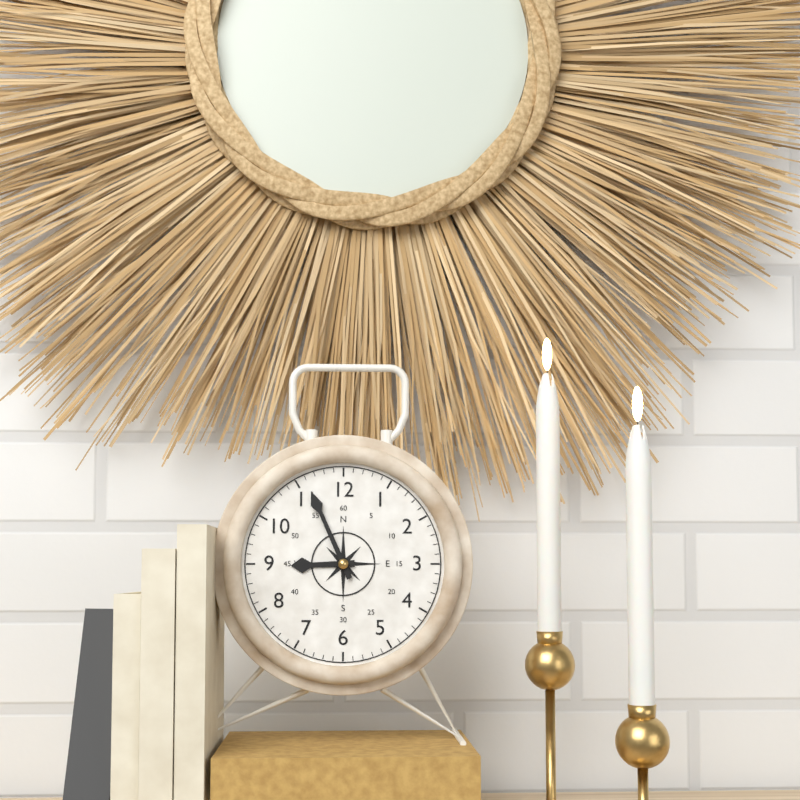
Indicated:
8:56
